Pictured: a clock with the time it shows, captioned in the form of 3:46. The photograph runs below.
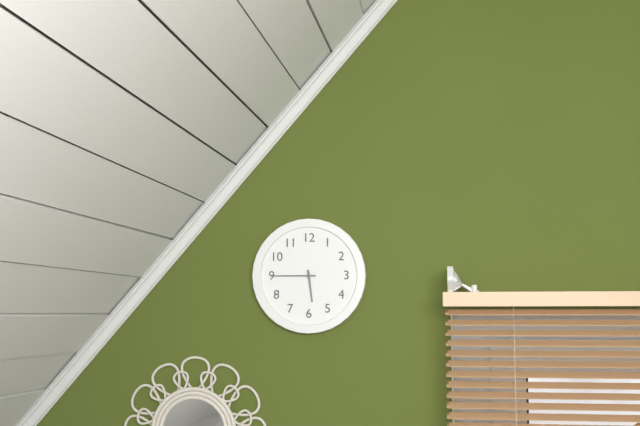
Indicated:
5:45
